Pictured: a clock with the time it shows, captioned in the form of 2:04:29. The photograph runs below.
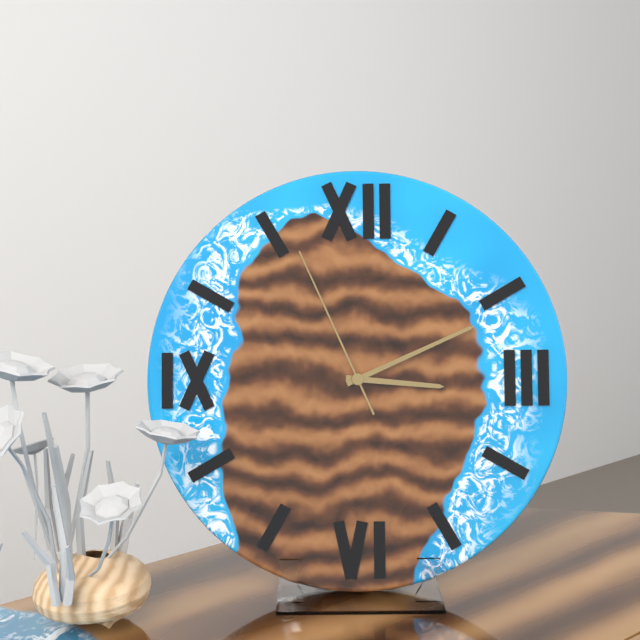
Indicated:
3:11:56
